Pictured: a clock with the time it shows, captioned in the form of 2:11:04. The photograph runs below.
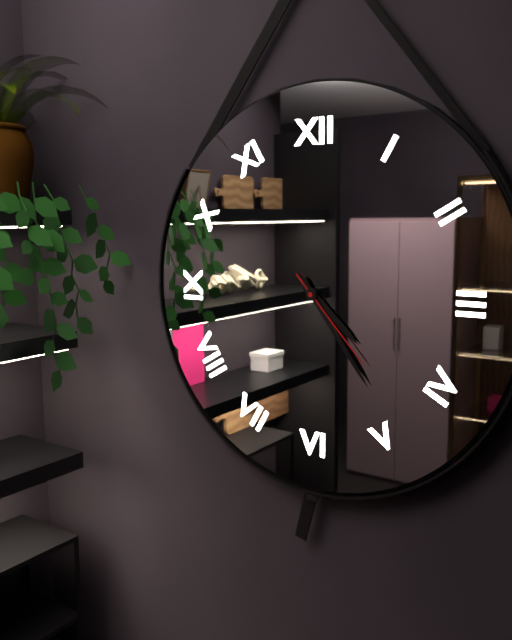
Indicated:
4:24:23
